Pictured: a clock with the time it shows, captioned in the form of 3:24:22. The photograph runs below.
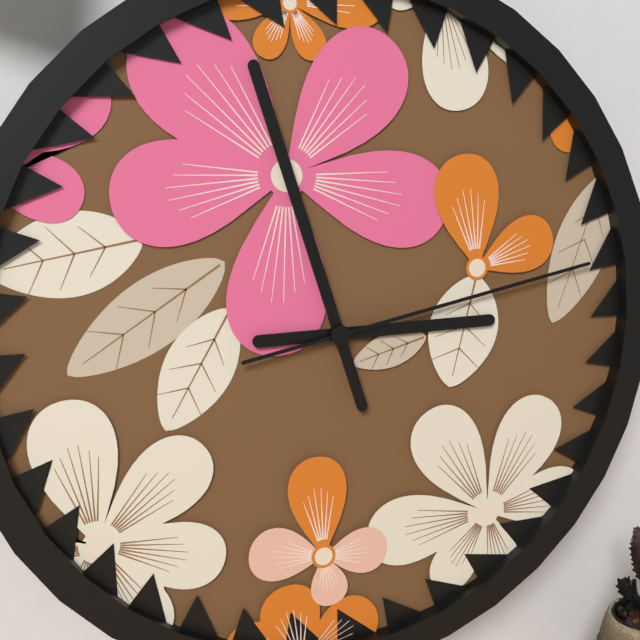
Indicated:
2:57:13
